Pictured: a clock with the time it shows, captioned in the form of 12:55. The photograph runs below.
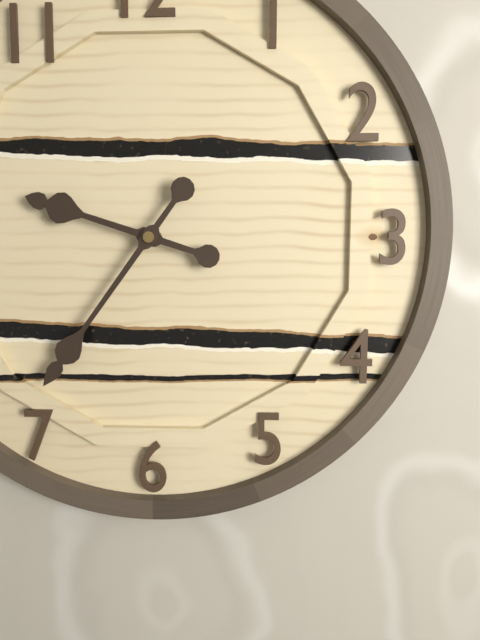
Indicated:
9:36
